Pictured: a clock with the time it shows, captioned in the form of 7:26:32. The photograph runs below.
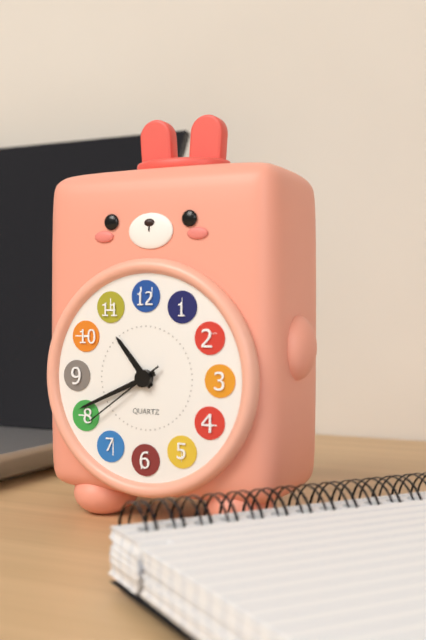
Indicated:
10:41:39
